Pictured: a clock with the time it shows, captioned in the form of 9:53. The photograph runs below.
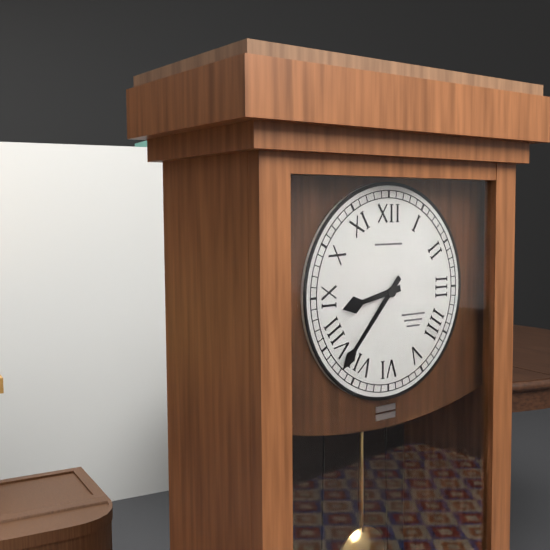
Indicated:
8:37
